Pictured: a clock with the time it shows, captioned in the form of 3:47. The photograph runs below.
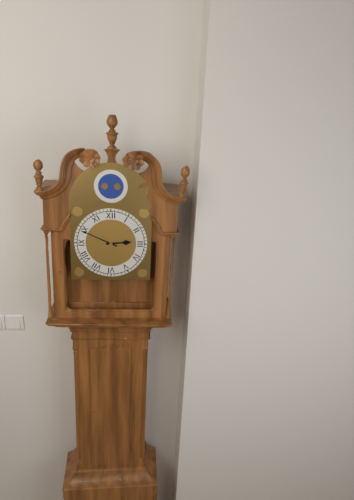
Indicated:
2:49
